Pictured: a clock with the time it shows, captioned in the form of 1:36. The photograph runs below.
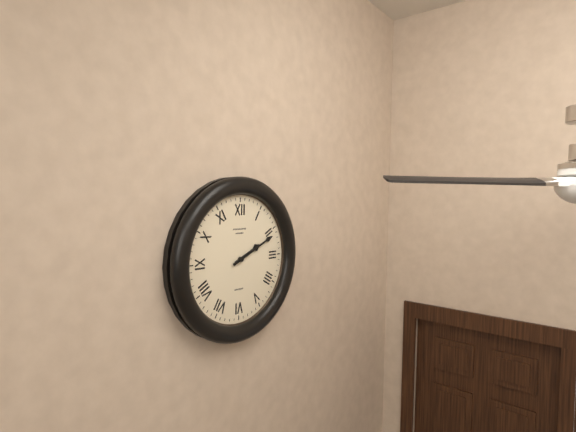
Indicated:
2:11
